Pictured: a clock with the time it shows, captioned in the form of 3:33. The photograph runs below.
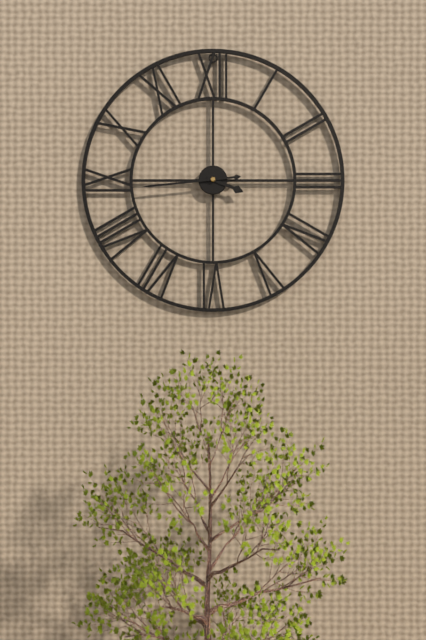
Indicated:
3:44
